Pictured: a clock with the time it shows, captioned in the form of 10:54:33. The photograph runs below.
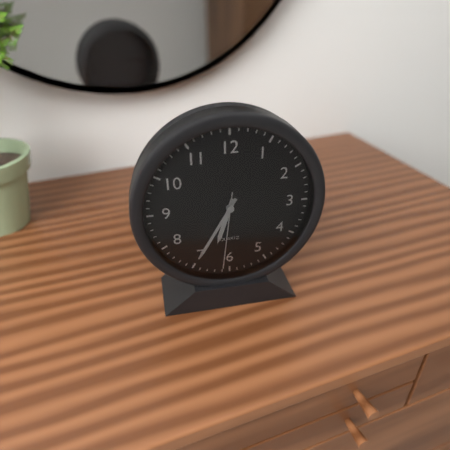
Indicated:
6:35:31
